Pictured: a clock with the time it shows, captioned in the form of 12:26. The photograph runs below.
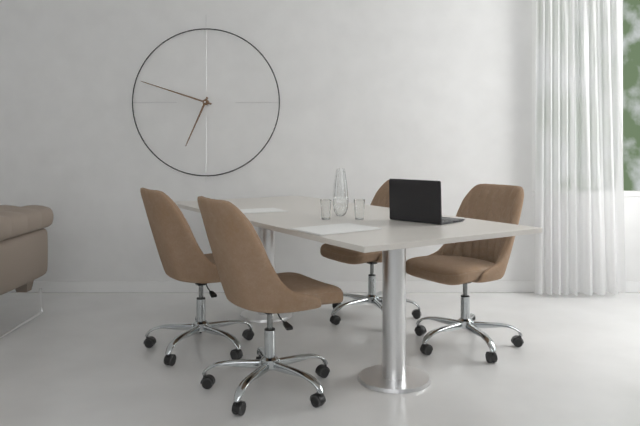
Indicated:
6:48
